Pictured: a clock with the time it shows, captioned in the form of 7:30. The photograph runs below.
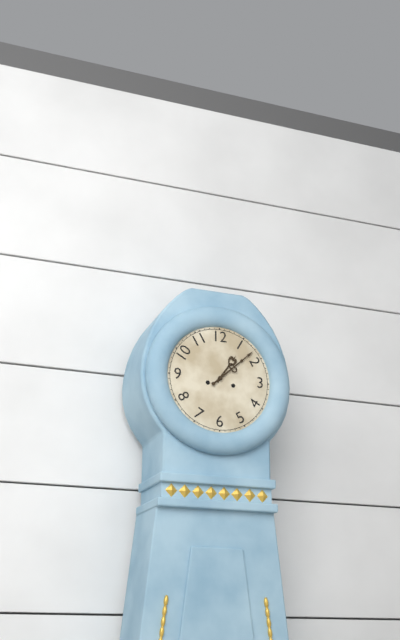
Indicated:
1:08
